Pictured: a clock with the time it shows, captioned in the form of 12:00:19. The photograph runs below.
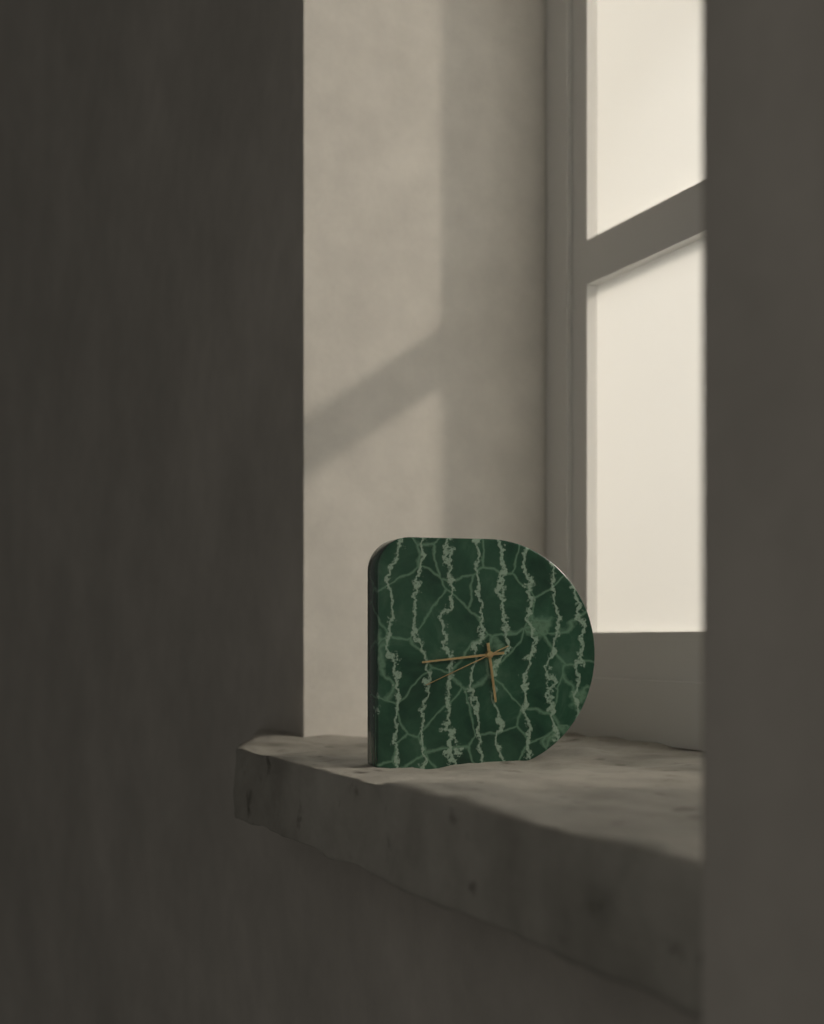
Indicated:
5:44:41
